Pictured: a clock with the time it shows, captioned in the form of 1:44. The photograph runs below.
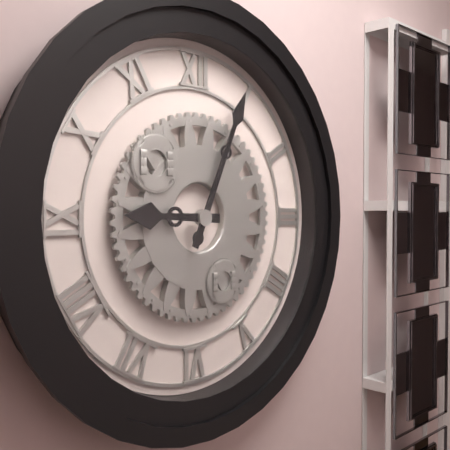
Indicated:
9:04
